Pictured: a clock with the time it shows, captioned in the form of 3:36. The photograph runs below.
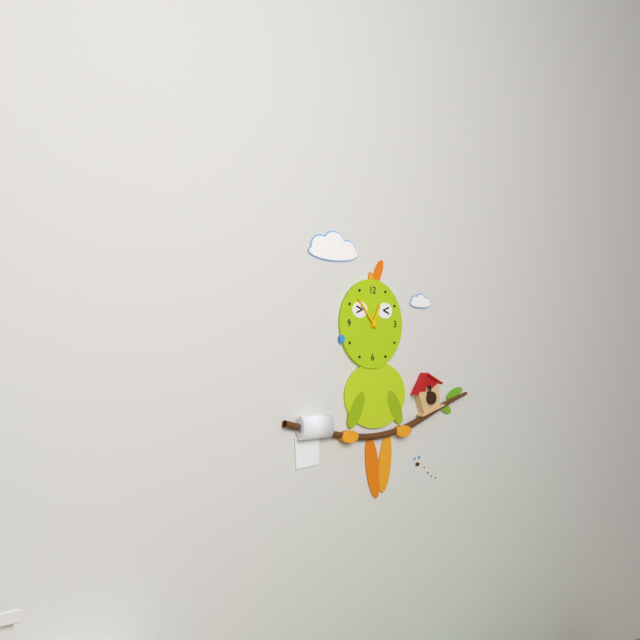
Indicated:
12:53
